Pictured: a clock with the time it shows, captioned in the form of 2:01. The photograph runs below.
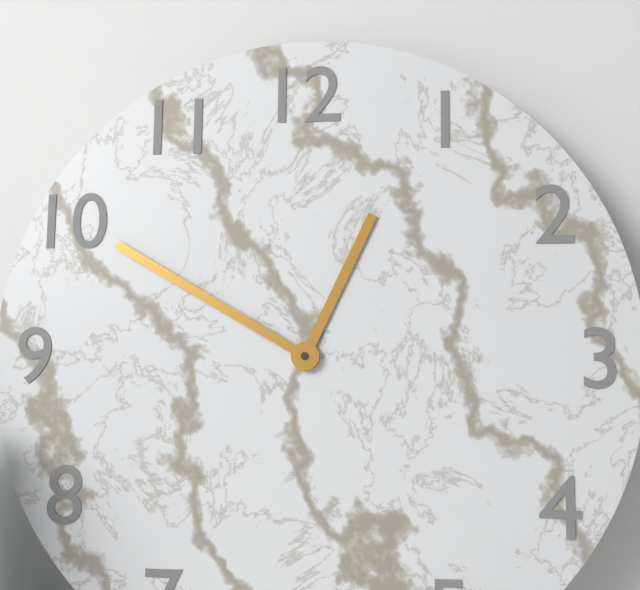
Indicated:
12:50
